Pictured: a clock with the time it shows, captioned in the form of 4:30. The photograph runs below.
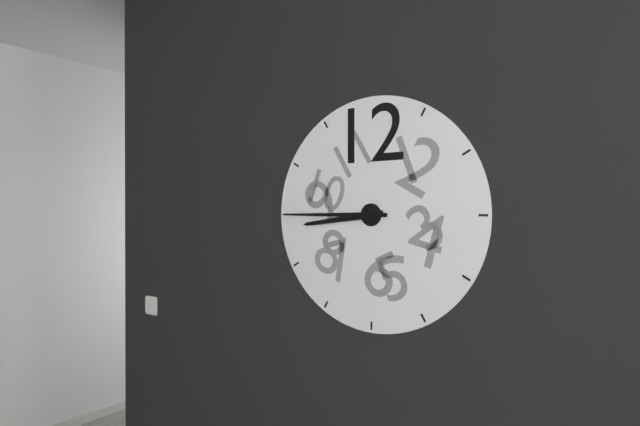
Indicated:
8:45
